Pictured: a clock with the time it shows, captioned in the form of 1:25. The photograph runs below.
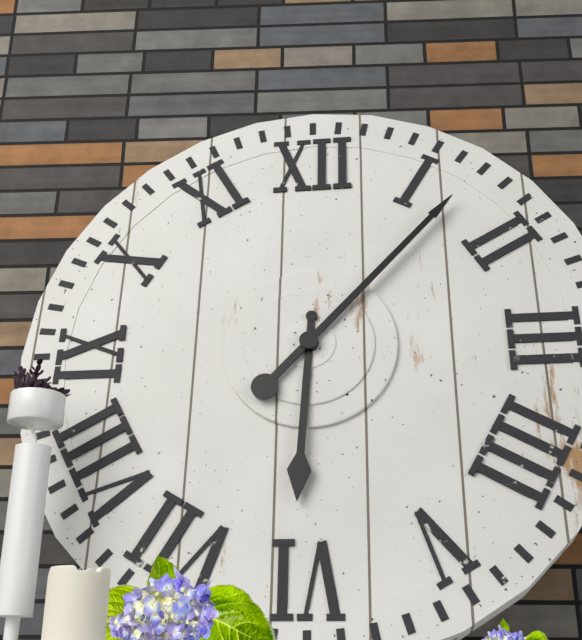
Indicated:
6:07
